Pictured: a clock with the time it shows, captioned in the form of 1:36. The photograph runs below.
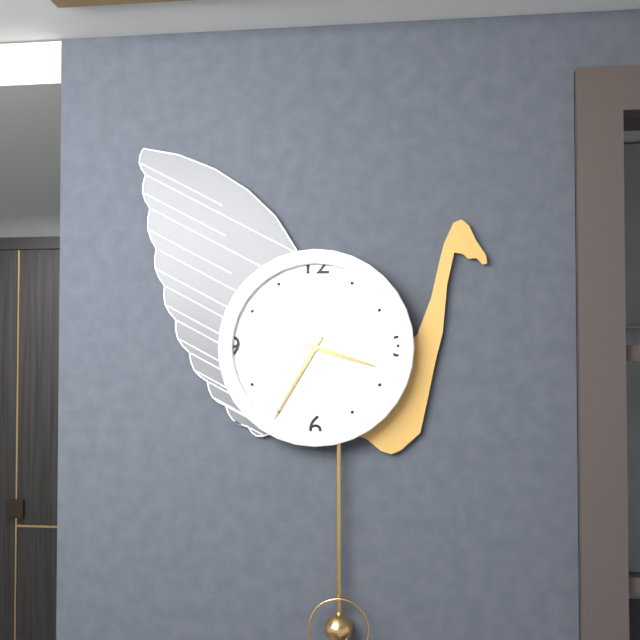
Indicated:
3:35
